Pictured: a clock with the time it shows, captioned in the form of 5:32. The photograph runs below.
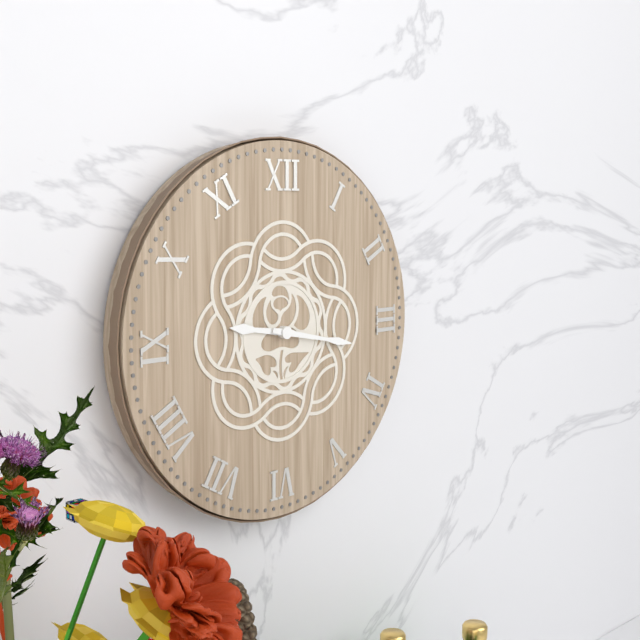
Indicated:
9:17
